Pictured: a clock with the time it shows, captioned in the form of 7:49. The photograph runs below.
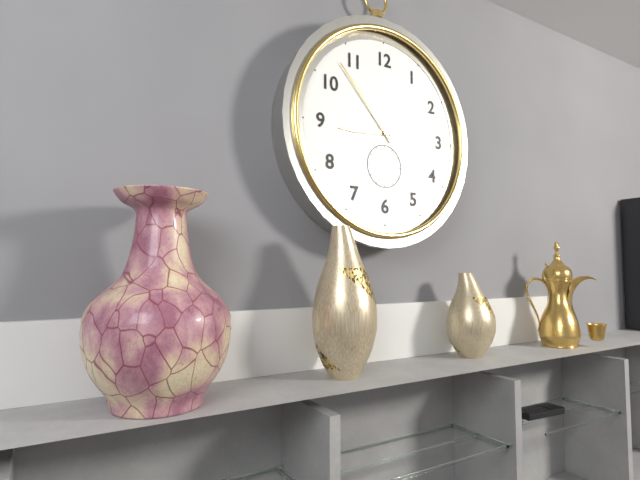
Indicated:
8:53
